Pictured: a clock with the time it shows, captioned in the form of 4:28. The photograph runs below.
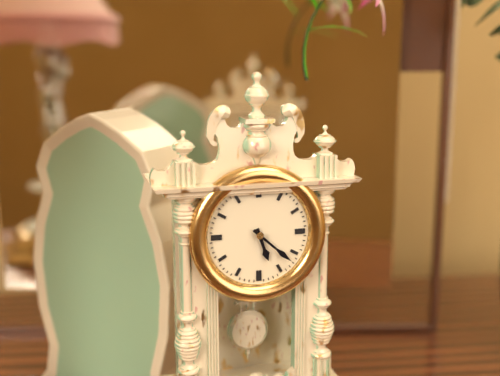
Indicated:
5:22
